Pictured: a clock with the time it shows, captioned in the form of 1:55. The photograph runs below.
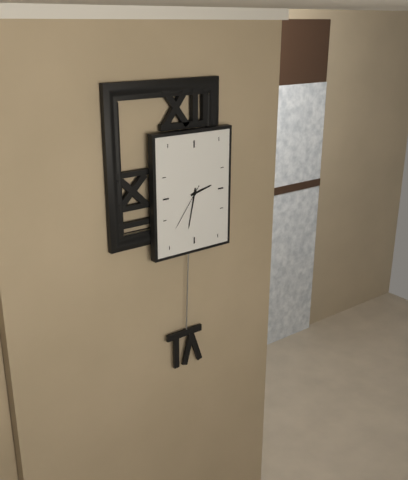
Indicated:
2:32
